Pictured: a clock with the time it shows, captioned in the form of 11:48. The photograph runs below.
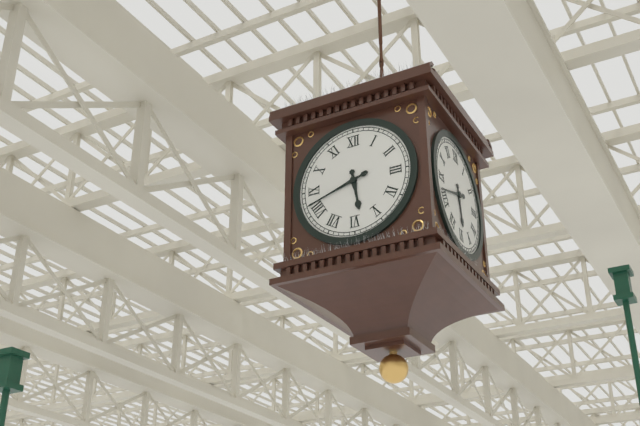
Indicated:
5:42
